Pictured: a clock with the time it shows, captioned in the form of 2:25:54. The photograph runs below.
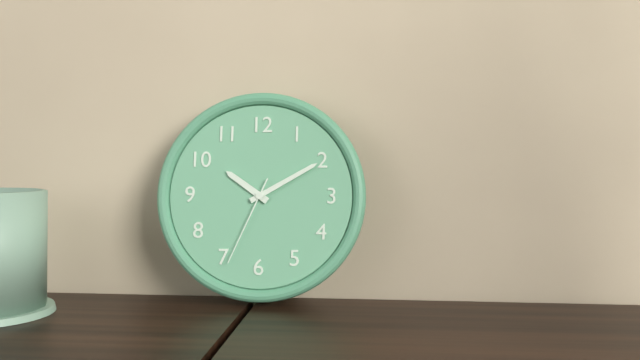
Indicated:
10:10:34
